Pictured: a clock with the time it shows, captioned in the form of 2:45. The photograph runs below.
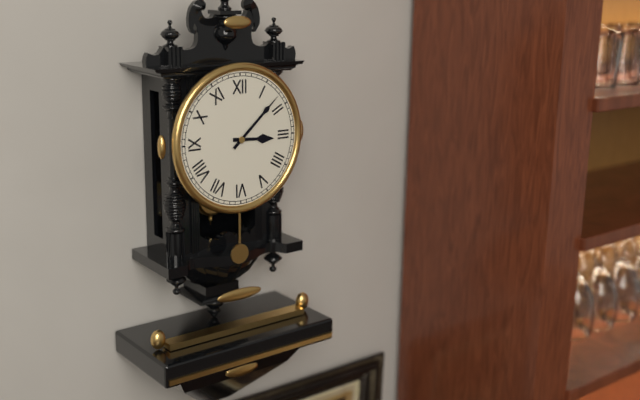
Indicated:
3:08
